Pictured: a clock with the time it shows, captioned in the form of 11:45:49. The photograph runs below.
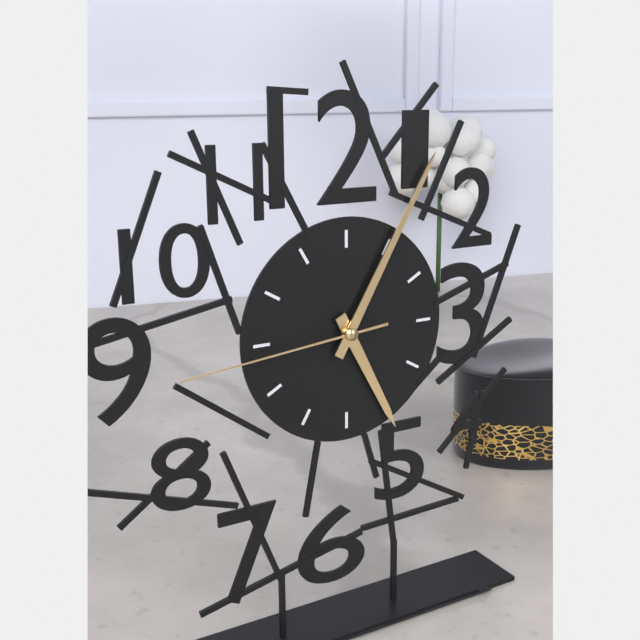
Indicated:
5:05:44
